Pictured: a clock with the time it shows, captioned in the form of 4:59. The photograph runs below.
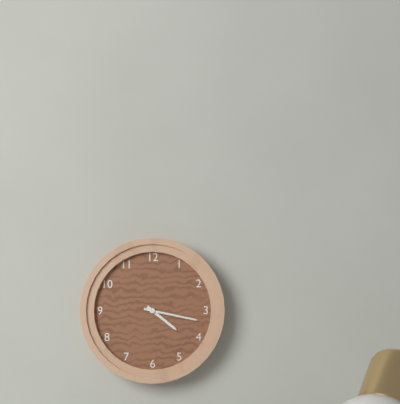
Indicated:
4:17
